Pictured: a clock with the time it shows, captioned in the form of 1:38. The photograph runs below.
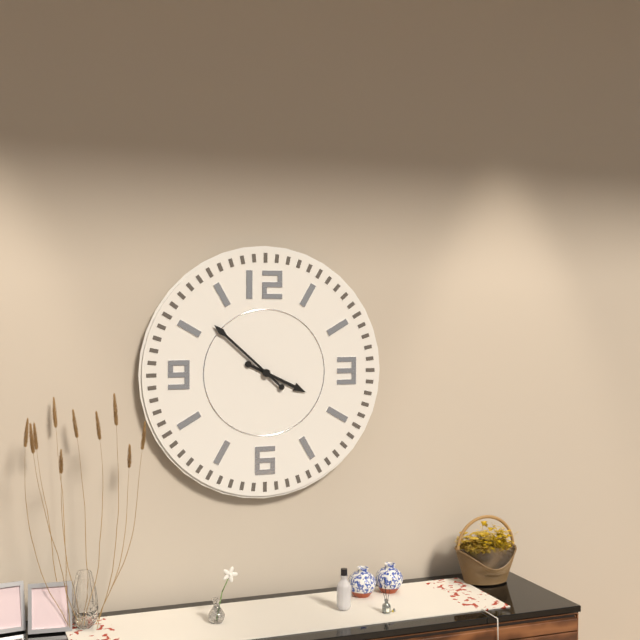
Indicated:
3:52
